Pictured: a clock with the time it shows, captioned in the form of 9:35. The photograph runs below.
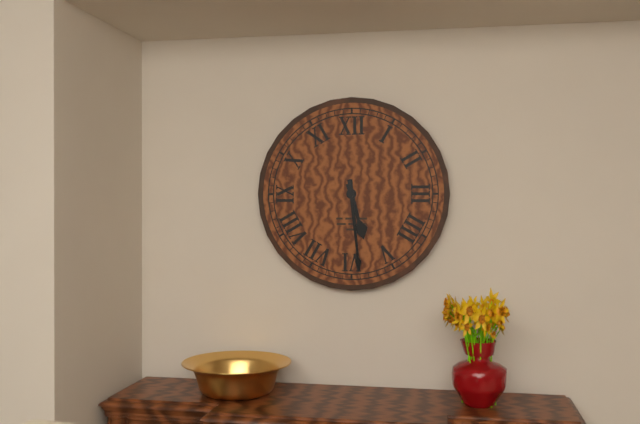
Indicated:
5:29
